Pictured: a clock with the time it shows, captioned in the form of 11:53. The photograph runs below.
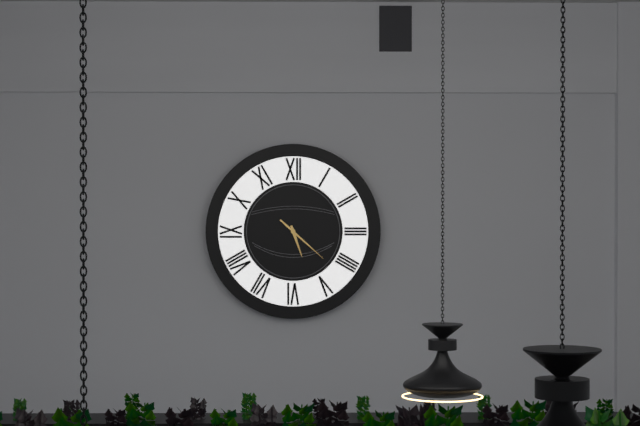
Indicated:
5:22
